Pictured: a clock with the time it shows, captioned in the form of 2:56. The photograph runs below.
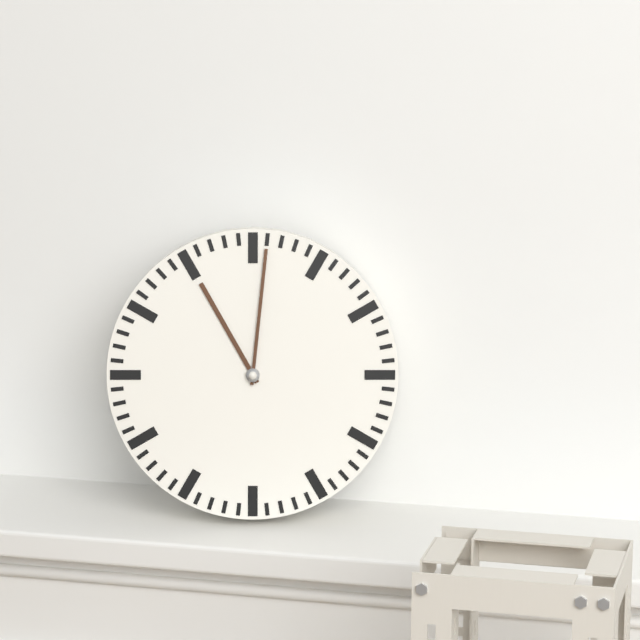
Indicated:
11:01
